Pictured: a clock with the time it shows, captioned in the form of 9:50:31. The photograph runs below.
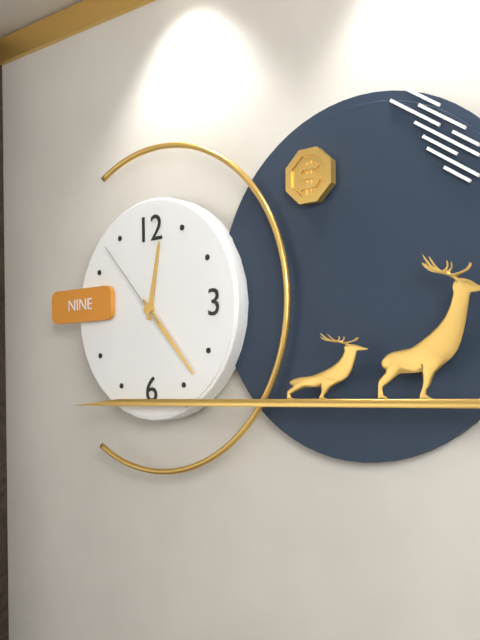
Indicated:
12:23:53
